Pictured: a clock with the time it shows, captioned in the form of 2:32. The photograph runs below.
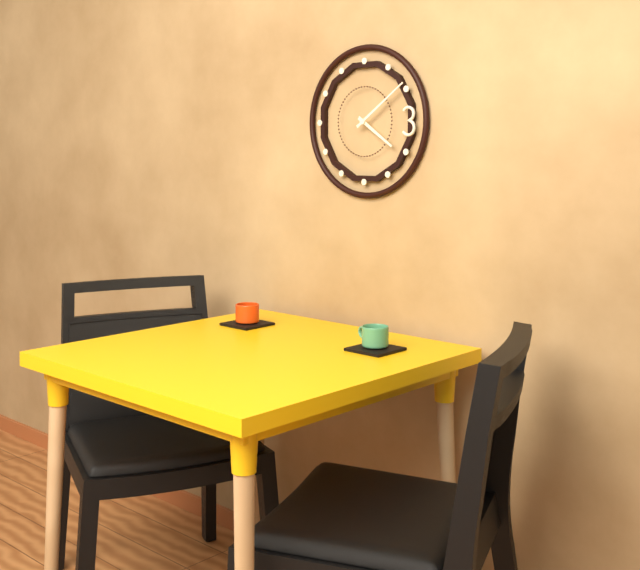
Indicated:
4:09
